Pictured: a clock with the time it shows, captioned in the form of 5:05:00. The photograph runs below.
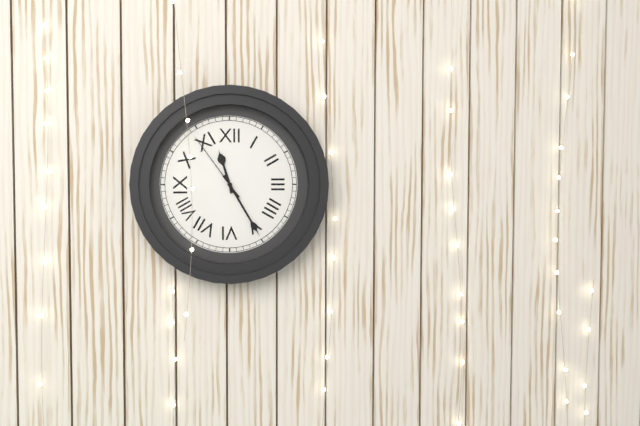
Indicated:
11:25:54
